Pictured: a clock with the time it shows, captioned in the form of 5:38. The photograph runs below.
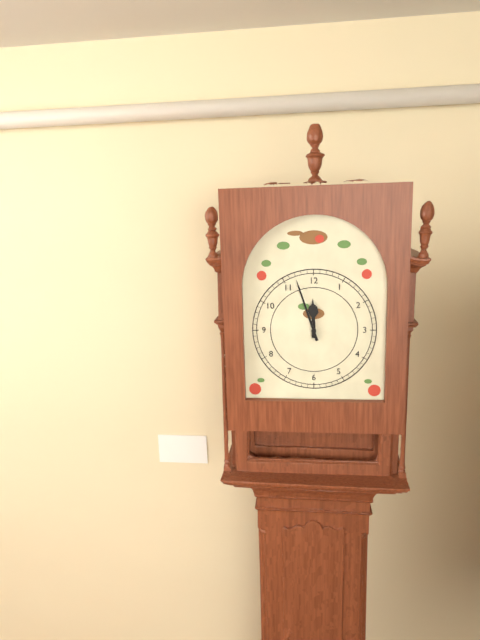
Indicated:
11:57
